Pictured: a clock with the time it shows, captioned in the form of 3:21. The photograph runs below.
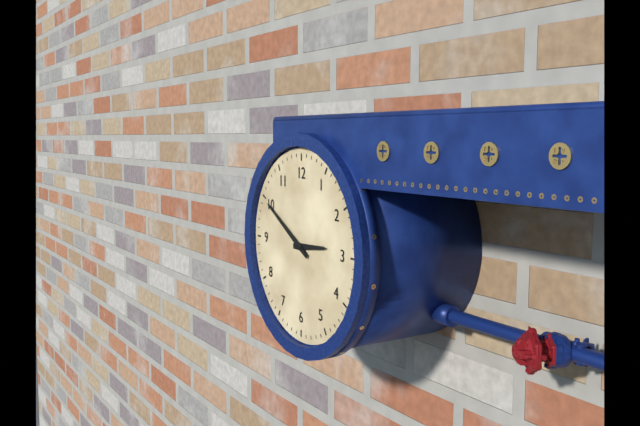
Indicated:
2:50
